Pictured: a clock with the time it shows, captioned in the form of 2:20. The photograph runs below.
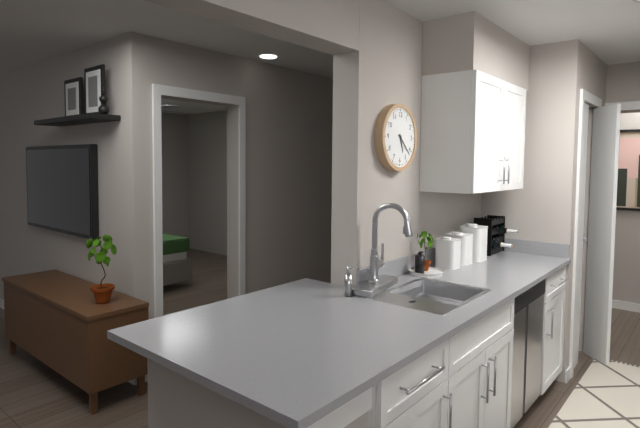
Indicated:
5:22
